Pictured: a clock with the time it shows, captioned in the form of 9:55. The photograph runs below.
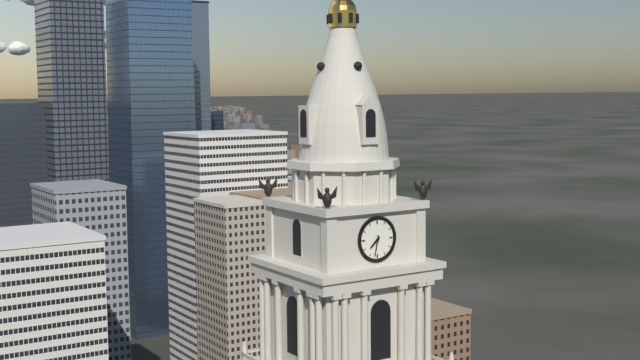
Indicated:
7:32
